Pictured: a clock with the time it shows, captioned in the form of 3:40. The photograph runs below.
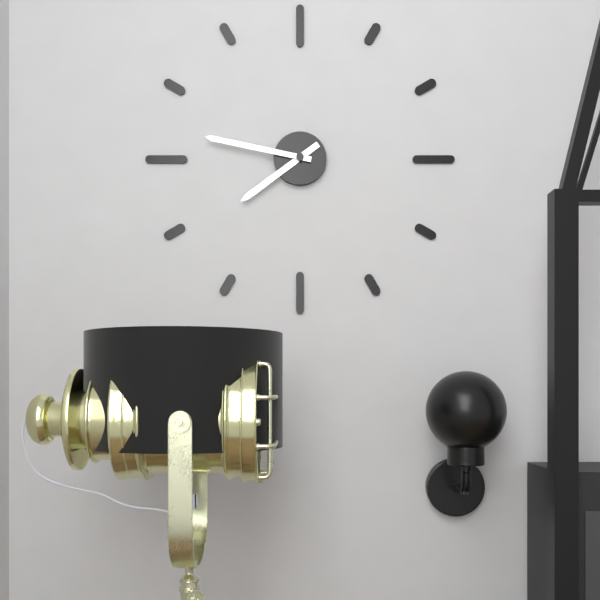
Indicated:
7:47
